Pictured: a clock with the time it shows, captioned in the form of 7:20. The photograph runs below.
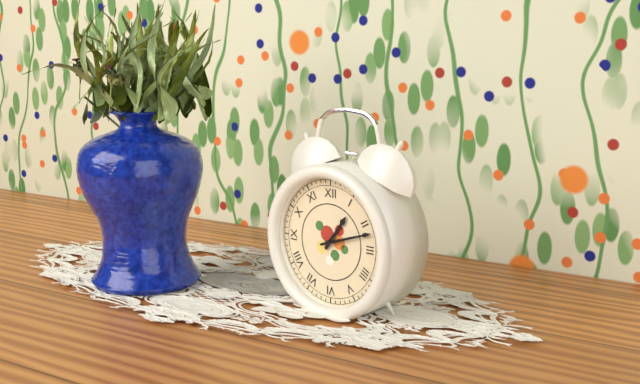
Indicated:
1:12
